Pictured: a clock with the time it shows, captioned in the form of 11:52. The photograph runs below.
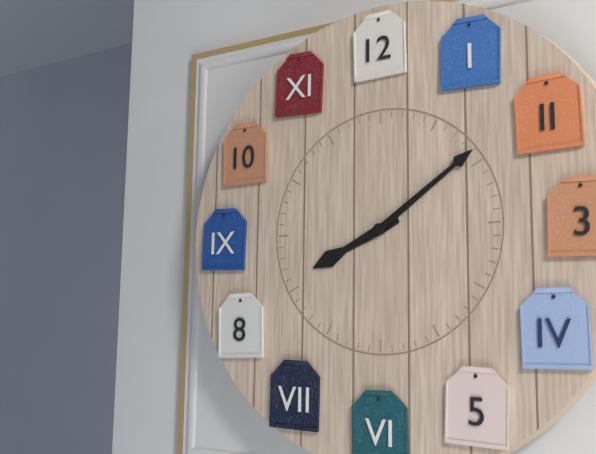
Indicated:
8:09
